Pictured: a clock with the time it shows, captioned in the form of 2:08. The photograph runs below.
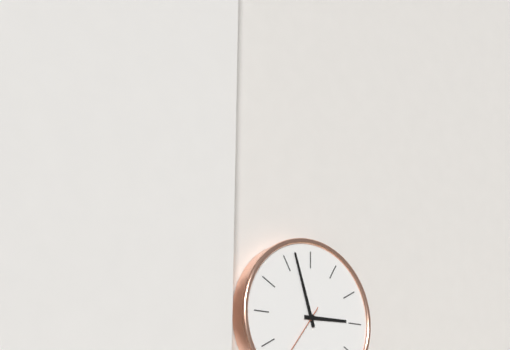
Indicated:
2:57
